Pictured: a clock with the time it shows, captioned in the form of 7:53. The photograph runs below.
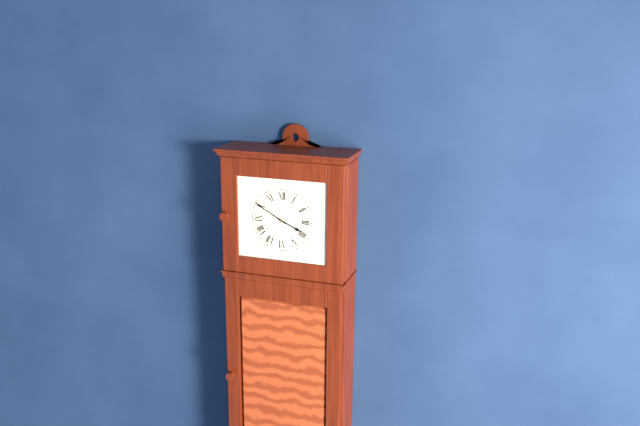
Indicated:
3:50
